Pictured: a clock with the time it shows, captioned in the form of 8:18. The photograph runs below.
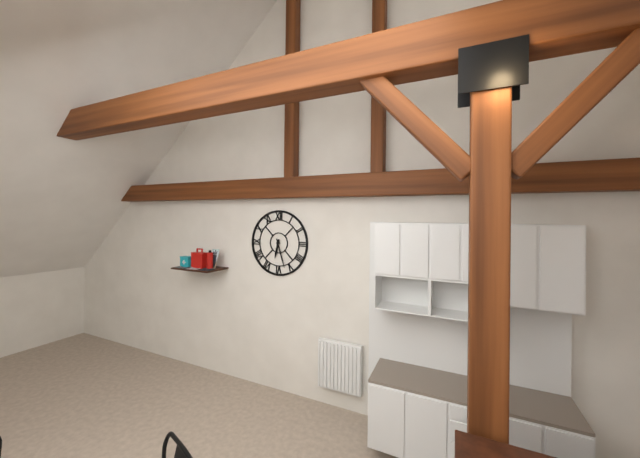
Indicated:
6:27
